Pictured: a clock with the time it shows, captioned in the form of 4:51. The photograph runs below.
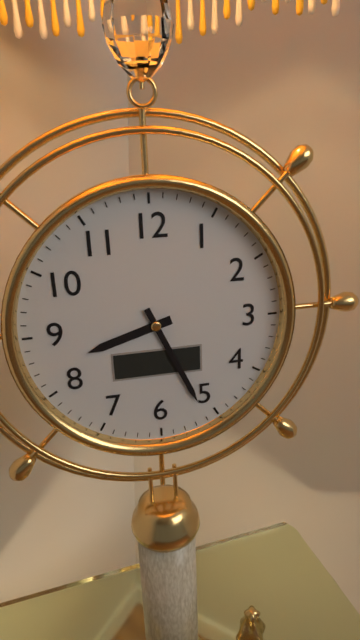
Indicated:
8:26
